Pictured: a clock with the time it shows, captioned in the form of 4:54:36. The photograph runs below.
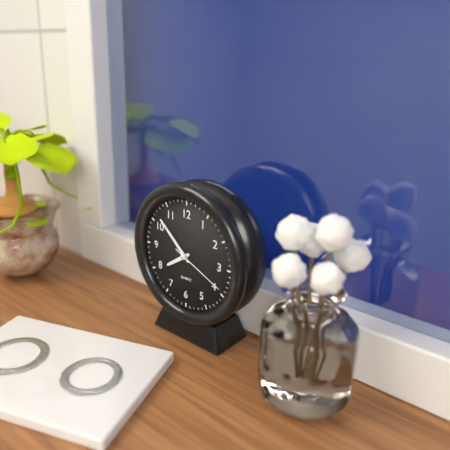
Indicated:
7:52:19
